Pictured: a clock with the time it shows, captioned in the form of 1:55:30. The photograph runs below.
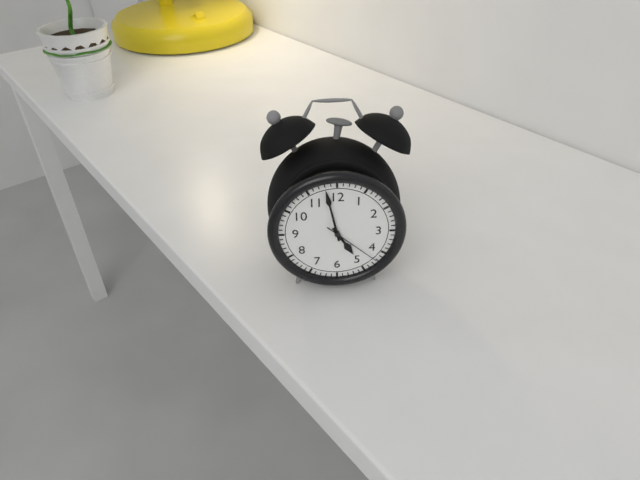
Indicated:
4:58:22
